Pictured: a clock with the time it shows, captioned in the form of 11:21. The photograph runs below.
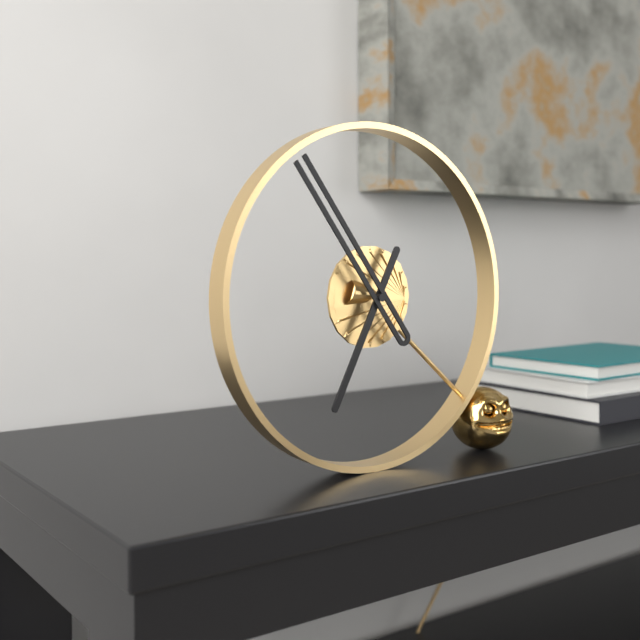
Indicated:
6:54
